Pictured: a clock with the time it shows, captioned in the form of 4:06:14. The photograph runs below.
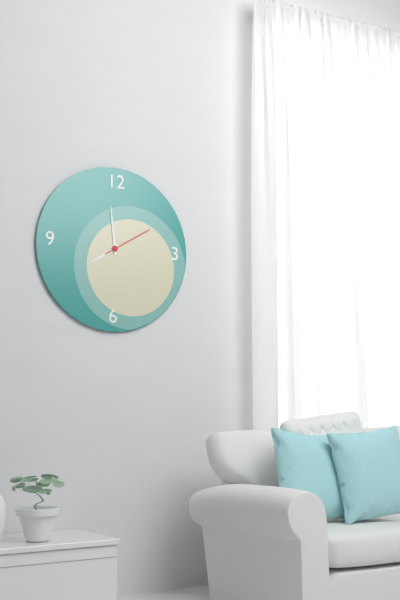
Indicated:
7:59:10
